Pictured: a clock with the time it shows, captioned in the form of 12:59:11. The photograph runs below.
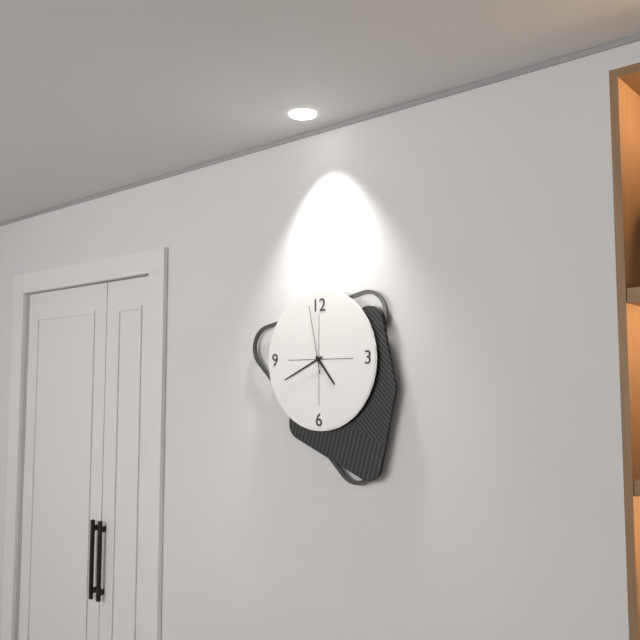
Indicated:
4:41:58
